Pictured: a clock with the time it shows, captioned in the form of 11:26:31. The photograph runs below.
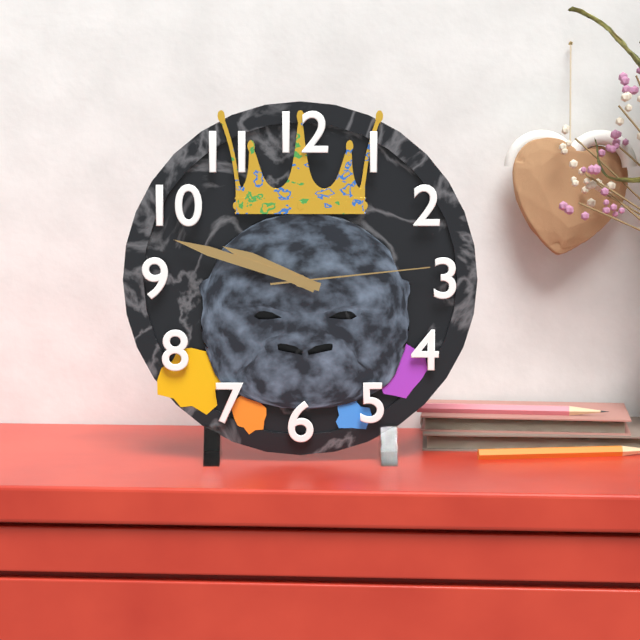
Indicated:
9:48:14
